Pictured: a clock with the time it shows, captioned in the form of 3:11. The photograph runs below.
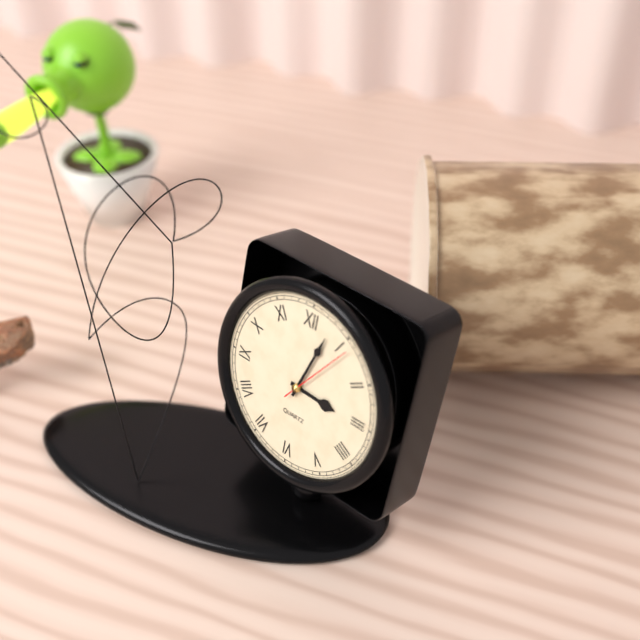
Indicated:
3:03
